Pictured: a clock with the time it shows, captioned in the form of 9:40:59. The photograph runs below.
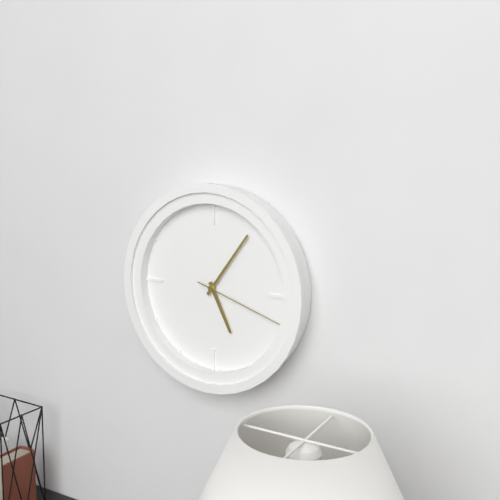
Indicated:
5:06:18
